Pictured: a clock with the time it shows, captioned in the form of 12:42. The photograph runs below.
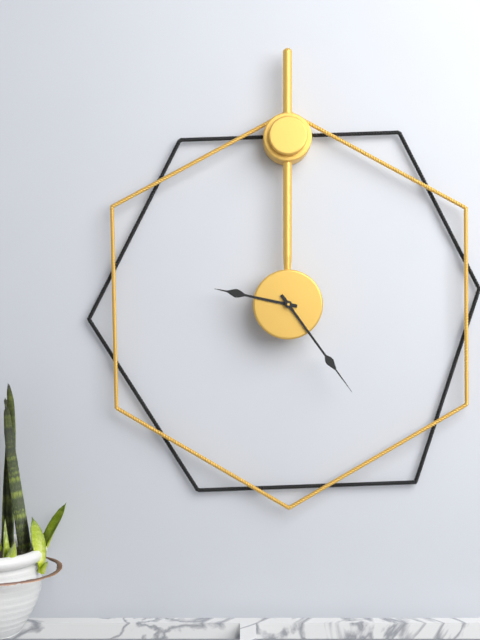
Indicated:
9:24
